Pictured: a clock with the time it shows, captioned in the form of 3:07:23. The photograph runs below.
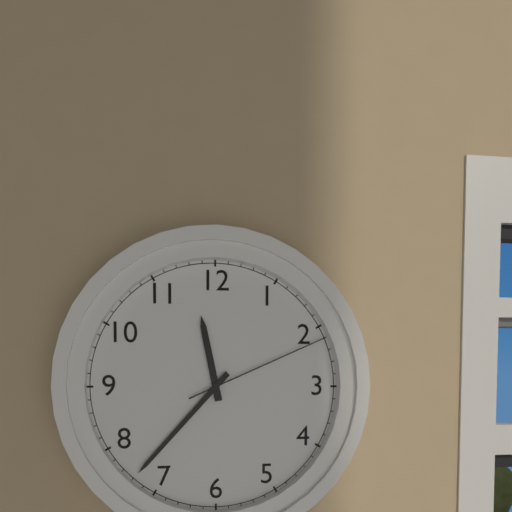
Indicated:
11:37:11
